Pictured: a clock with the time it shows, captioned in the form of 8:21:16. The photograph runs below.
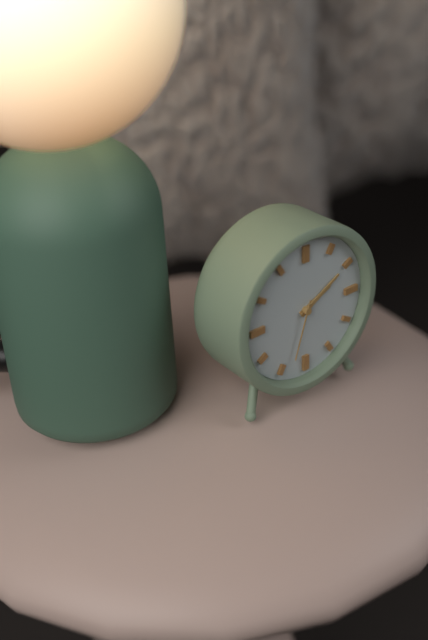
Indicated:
2:10:33
